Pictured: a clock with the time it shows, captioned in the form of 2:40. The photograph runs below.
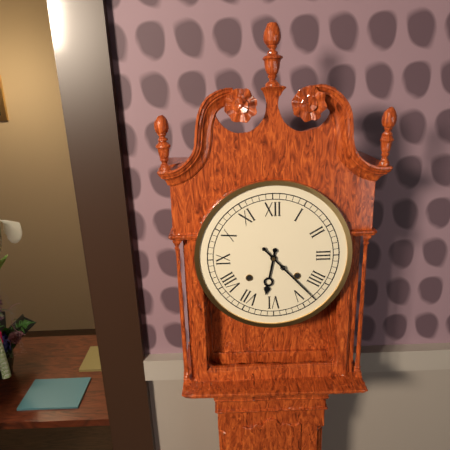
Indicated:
6:23
